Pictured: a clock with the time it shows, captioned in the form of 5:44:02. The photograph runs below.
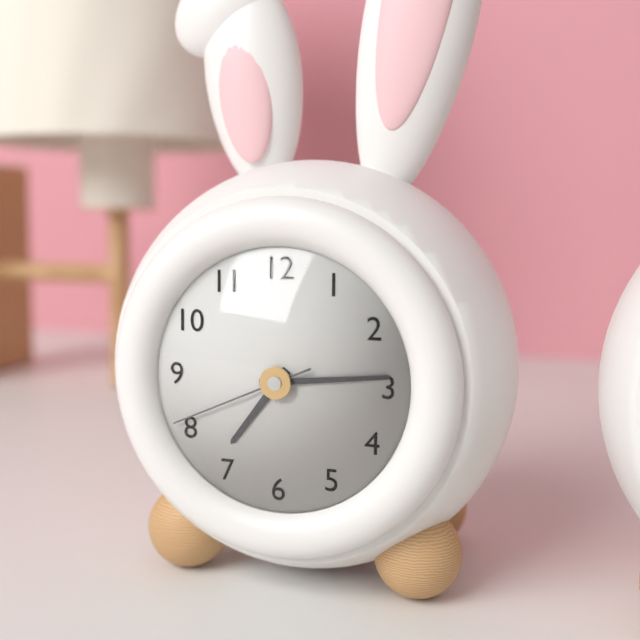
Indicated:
7:14:41
